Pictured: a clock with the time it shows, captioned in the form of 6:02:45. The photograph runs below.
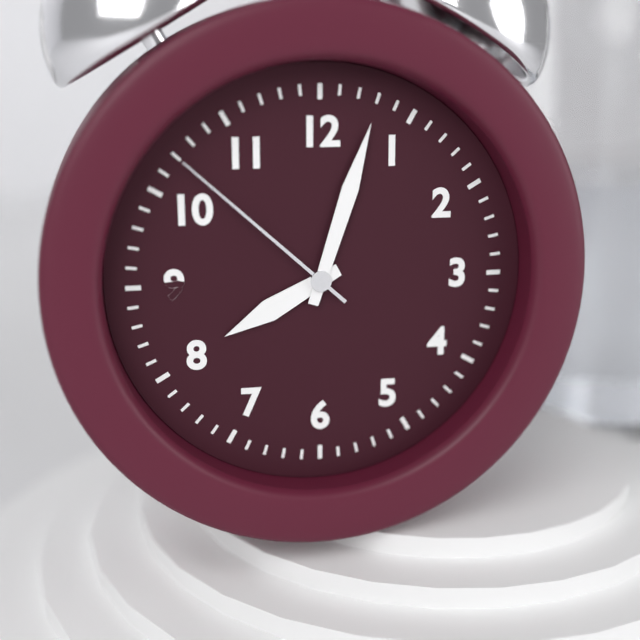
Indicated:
8:03:52
